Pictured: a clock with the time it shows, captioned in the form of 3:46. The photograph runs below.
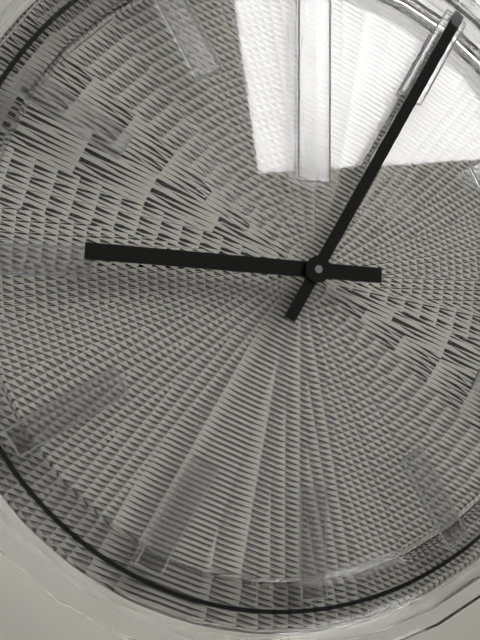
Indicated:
9:05
